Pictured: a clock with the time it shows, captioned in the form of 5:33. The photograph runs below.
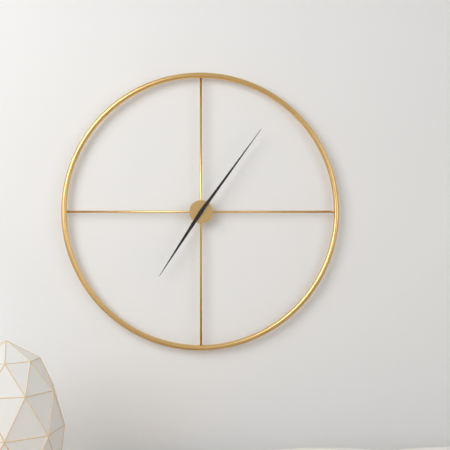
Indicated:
7:06
